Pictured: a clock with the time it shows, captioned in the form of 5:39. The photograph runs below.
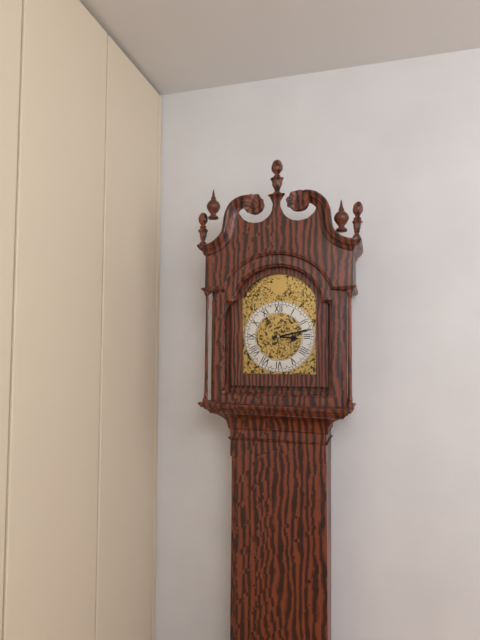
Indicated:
3:13
